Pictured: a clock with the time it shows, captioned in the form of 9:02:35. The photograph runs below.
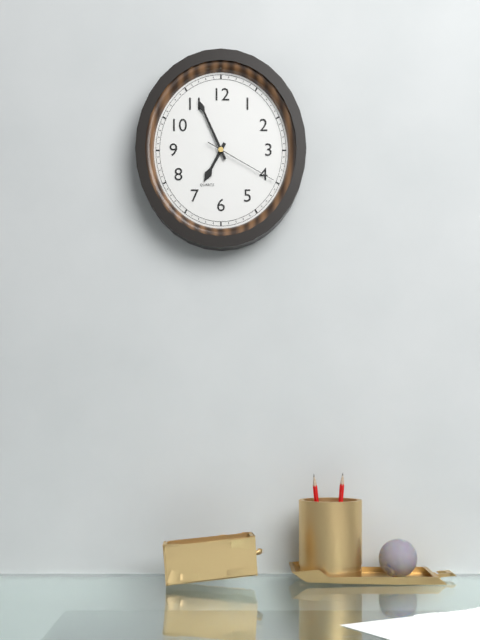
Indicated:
6:56:20
